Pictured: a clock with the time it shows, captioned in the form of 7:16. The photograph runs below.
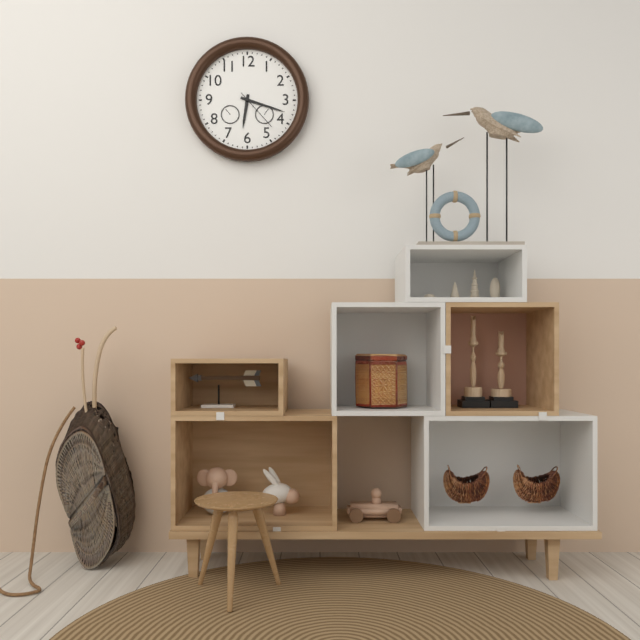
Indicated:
6:18
